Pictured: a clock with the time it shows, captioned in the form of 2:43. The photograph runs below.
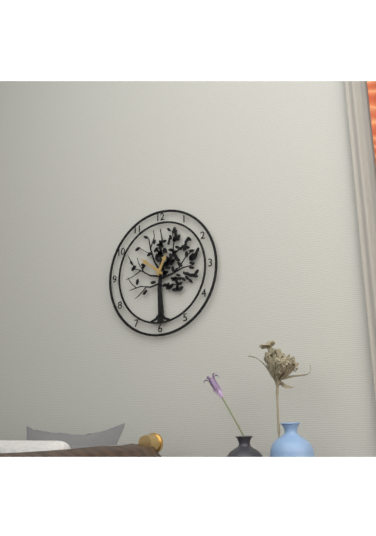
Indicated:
12:51
